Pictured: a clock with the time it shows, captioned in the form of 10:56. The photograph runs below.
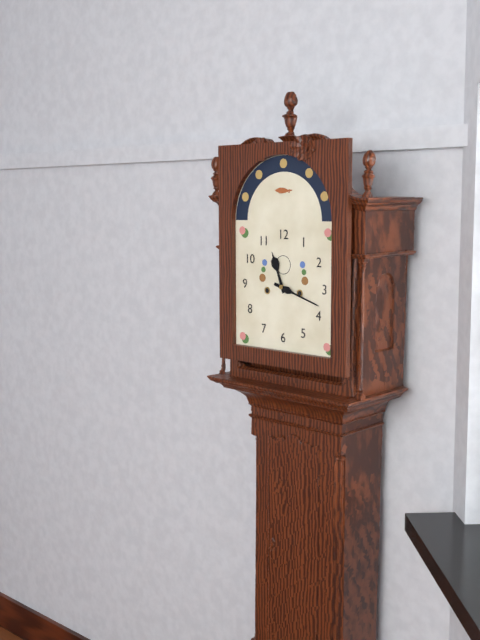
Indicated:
11:18
